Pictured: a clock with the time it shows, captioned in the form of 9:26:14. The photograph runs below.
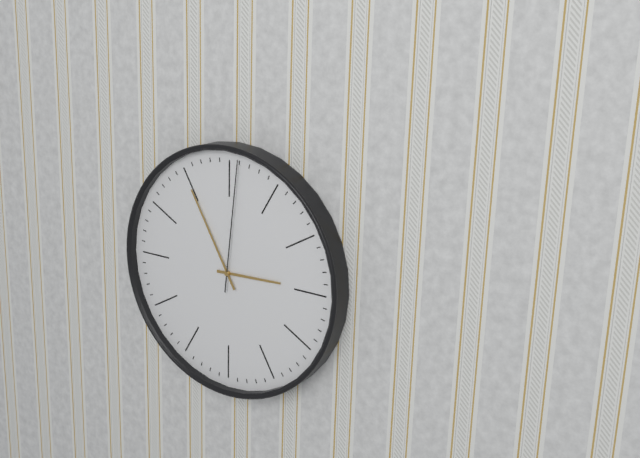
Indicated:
2:55:01
